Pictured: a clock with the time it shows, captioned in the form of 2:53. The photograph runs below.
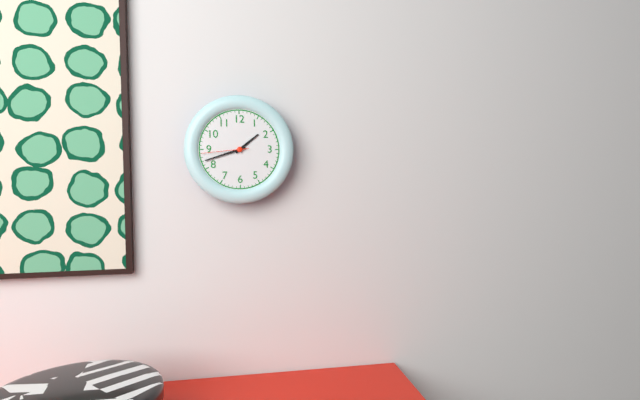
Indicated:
1:42
